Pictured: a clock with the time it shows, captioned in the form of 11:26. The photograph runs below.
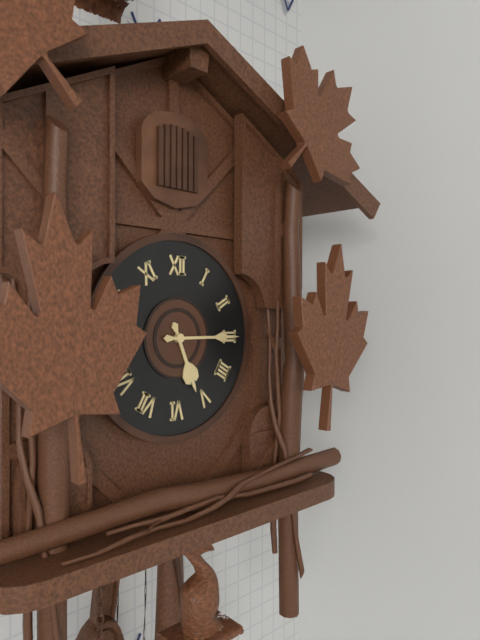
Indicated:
5:15
